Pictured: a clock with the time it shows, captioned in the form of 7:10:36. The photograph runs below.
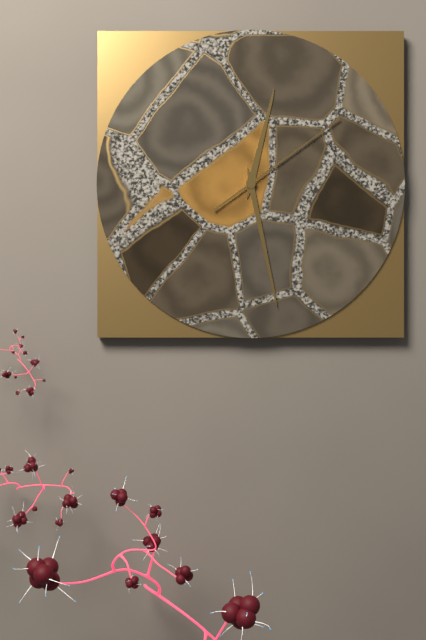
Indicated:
12:28:09
